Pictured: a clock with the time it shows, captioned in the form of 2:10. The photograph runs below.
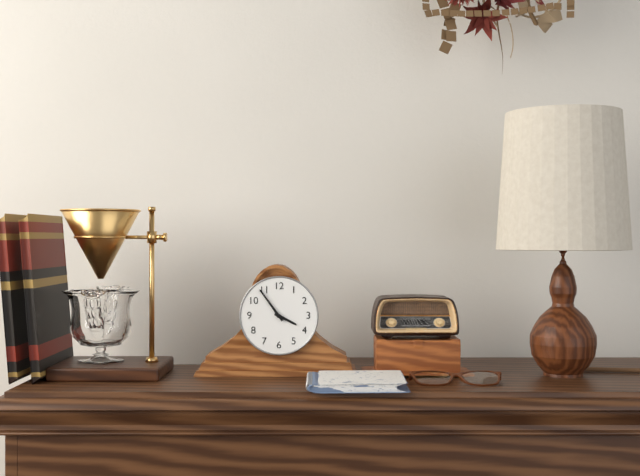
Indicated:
3:54
